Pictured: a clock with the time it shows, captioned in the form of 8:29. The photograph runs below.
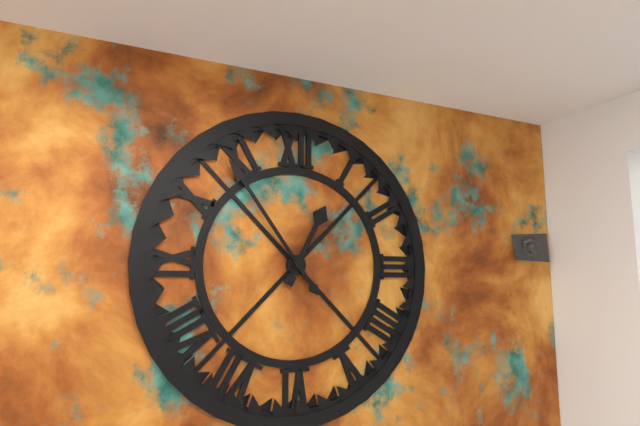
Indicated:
12:54
